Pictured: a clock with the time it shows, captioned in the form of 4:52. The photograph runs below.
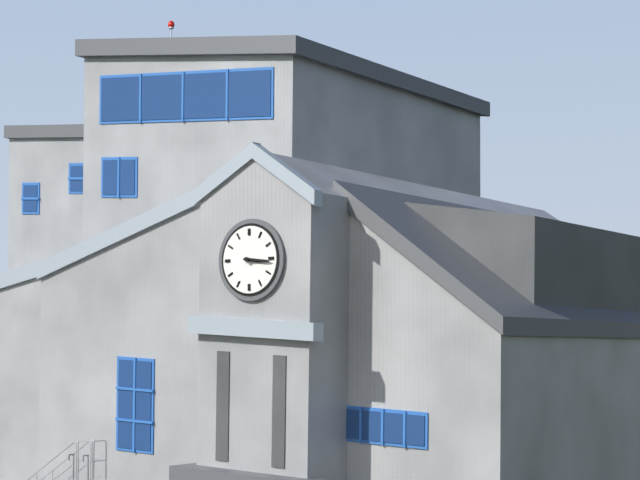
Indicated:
3:16
